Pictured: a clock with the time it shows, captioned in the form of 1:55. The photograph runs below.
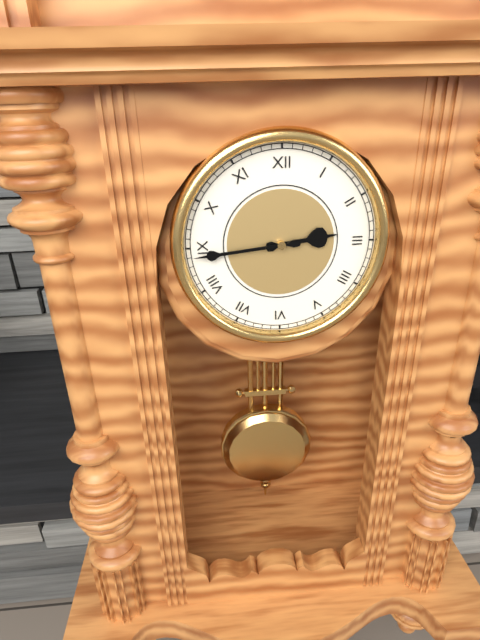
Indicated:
2:44
